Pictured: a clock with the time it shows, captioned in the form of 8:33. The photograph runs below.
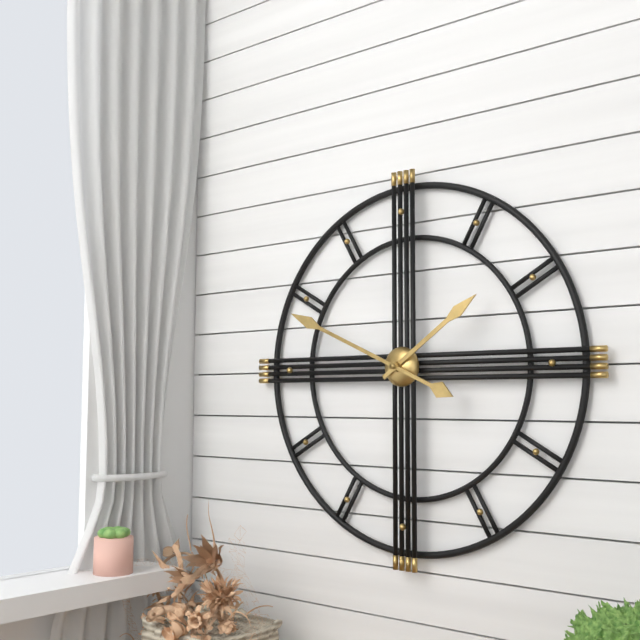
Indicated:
1:49
